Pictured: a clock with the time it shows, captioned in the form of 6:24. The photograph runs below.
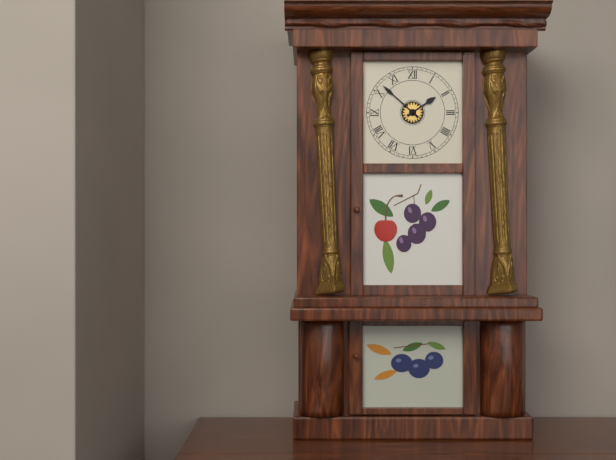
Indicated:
1:52
